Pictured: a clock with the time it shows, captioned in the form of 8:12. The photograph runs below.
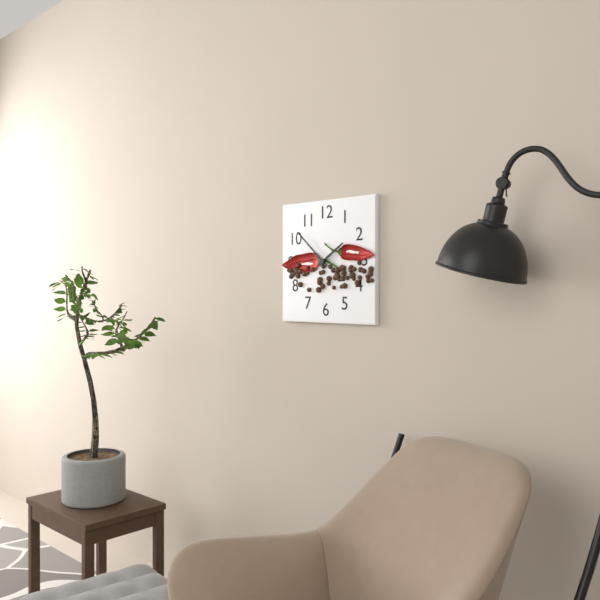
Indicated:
1:52
